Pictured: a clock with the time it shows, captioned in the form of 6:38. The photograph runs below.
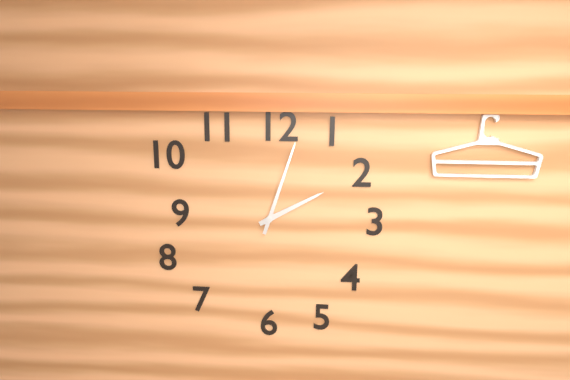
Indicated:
2:03
